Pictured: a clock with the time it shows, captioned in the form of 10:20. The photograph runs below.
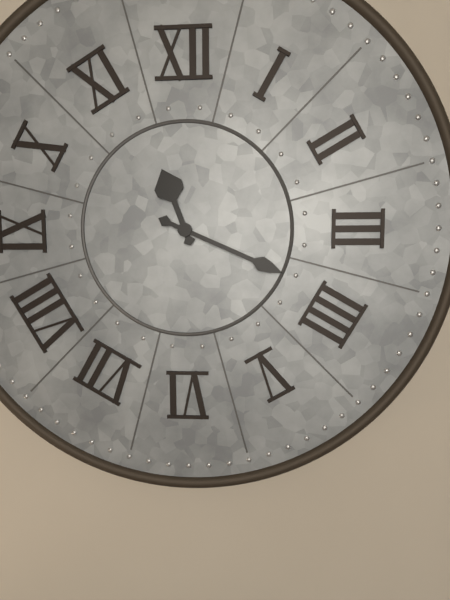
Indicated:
11:19
